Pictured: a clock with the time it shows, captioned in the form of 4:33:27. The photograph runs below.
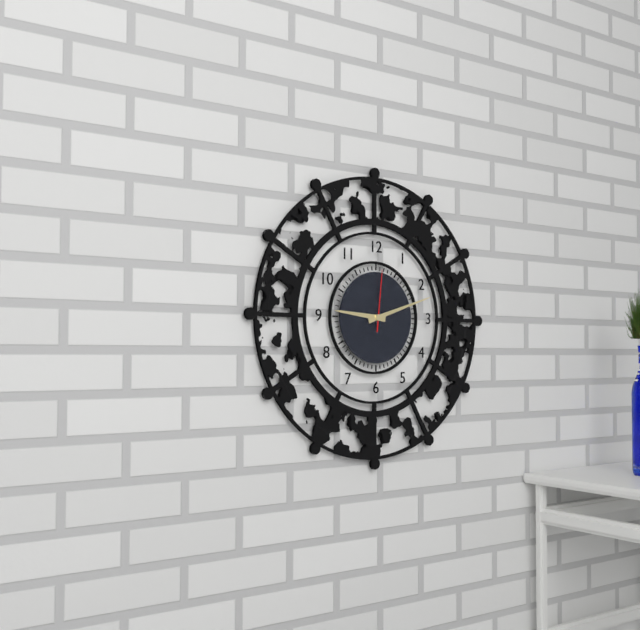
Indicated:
9:12:01
